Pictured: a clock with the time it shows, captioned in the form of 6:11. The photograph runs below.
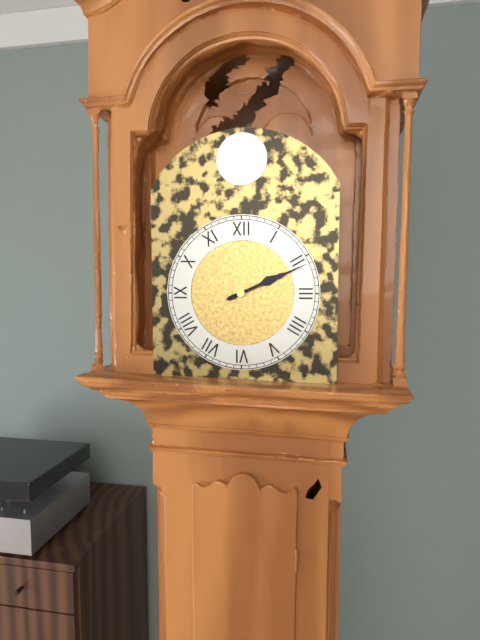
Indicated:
2:11
